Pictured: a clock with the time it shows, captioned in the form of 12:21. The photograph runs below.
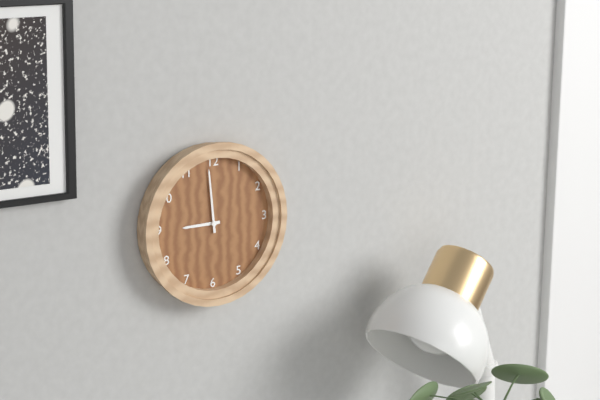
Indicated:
8:59
